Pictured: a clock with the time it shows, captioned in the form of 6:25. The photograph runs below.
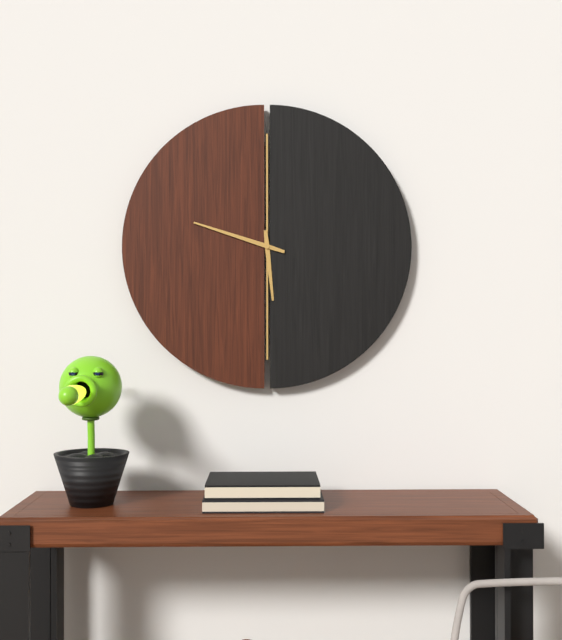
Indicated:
5:48
